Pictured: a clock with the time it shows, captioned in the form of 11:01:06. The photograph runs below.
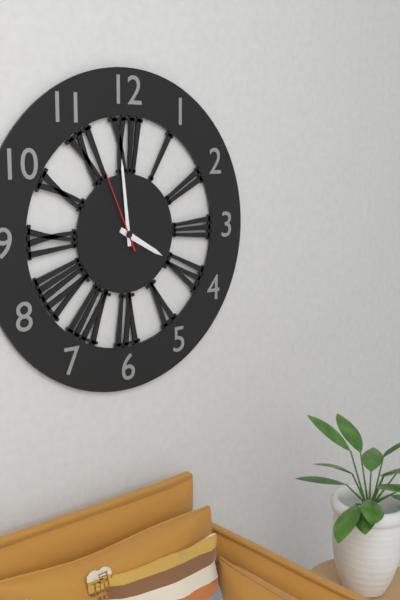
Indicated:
3:59:56
